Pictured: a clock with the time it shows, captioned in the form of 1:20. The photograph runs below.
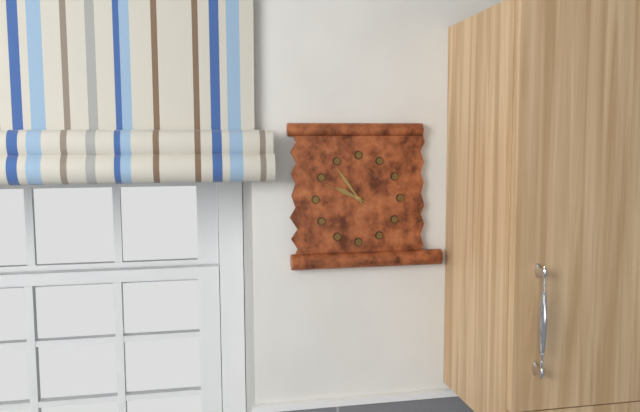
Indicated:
9:54
